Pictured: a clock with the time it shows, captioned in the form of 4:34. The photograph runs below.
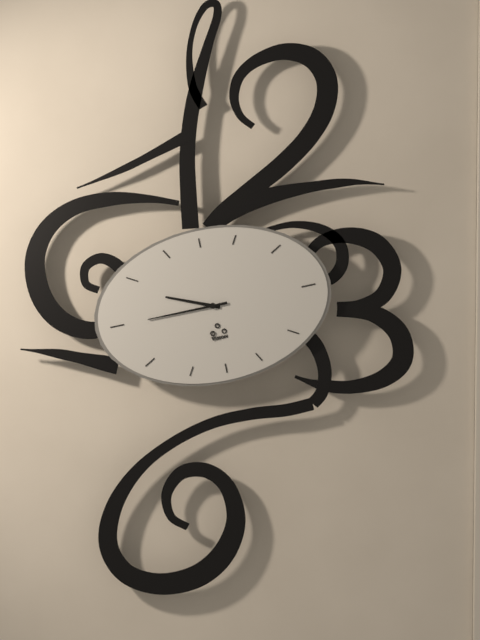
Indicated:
9:45
